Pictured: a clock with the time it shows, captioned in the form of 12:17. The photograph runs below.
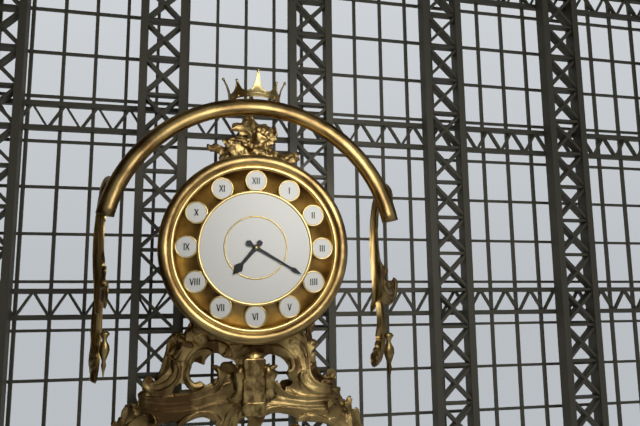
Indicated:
7:20
